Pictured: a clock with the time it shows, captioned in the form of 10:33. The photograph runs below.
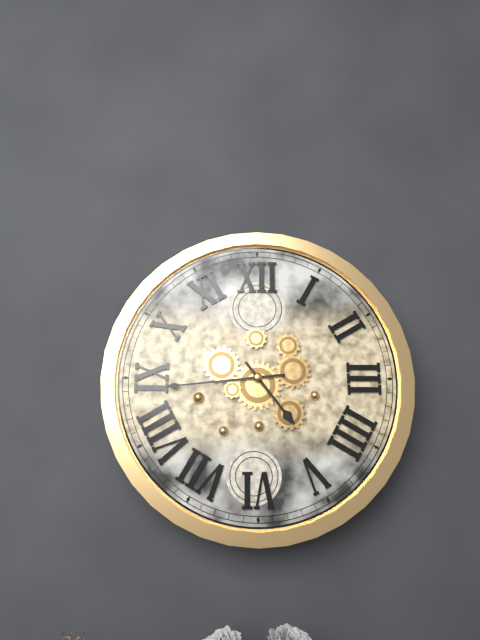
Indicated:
4:44
